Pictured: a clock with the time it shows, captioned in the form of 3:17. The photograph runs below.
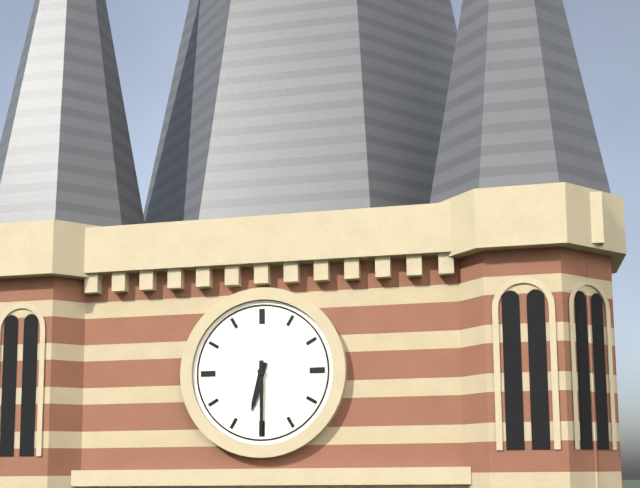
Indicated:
6:30
